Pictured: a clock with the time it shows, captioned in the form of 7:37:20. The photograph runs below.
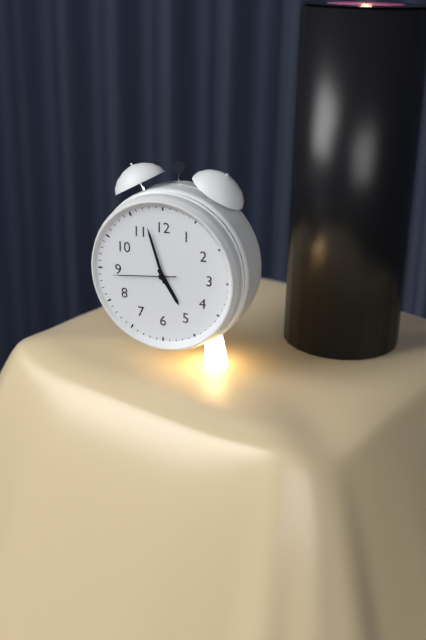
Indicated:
4:57:44
